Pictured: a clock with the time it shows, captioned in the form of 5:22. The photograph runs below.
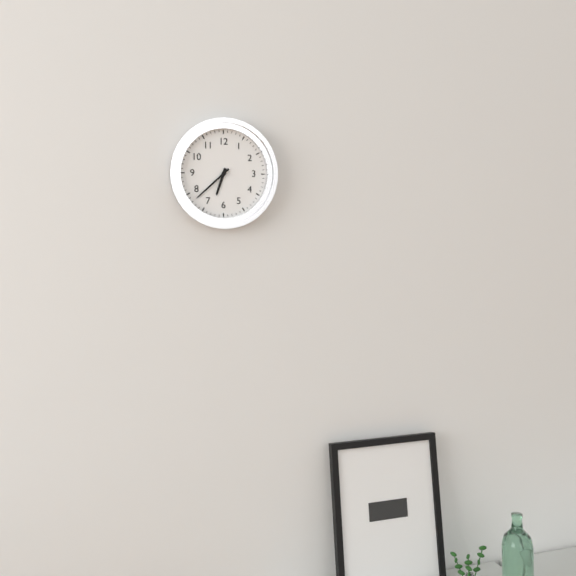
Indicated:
6:38
